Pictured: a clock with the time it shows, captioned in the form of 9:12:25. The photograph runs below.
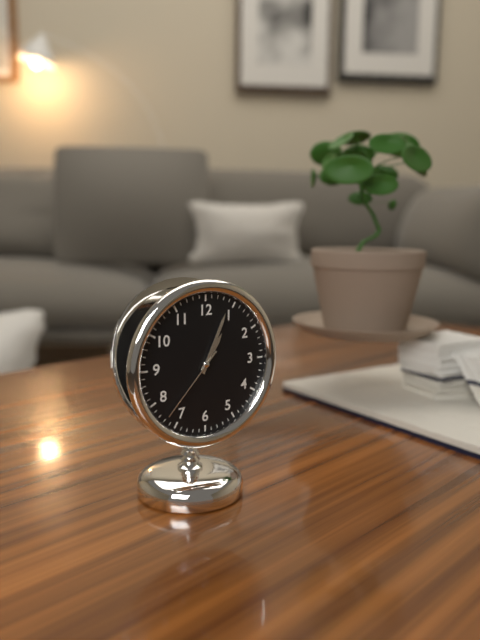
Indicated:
1:04:37
